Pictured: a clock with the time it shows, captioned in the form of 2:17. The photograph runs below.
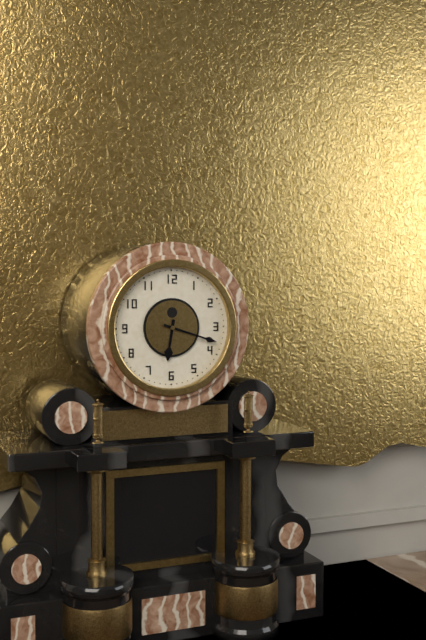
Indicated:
6:18
